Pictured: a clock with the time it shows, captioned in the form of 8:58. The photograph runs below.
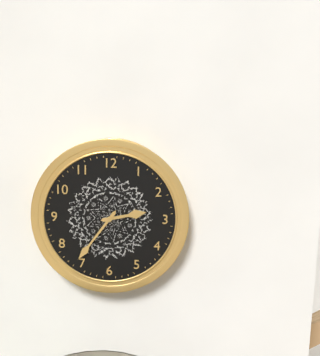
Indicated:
2:36
